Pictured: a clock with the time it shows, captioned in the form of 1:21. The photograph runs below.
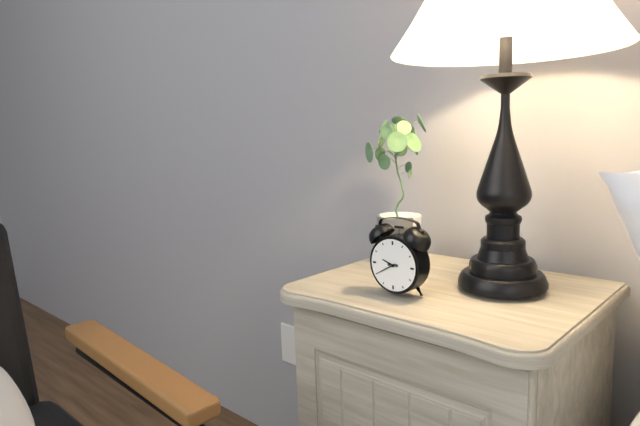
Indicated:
9:40
